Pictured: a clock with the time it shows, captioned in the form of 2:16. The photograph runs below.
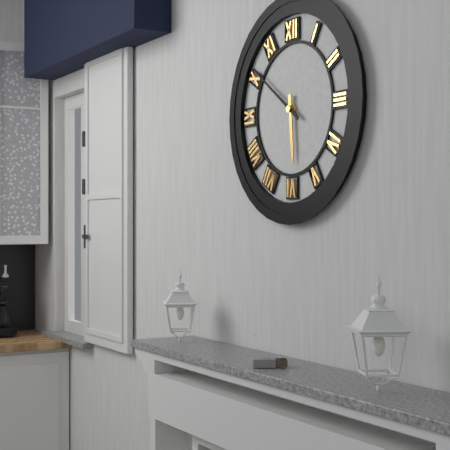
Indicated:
5:51
